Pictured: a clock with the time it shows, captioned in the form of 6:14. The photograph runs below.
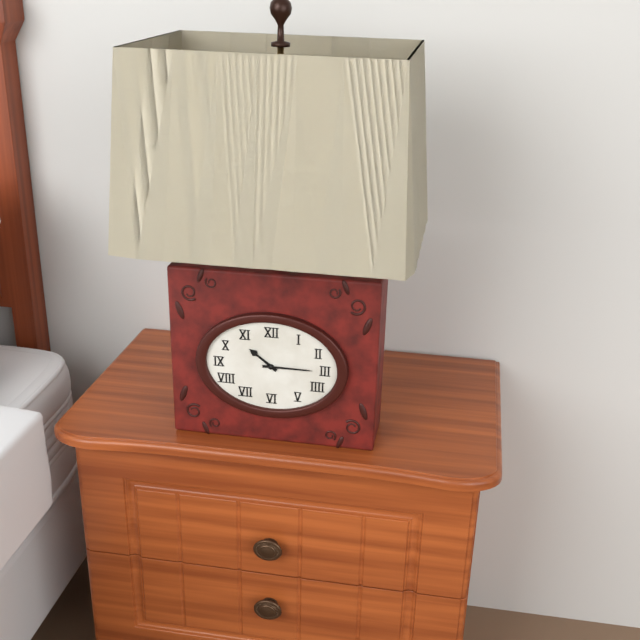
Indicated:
10:15
